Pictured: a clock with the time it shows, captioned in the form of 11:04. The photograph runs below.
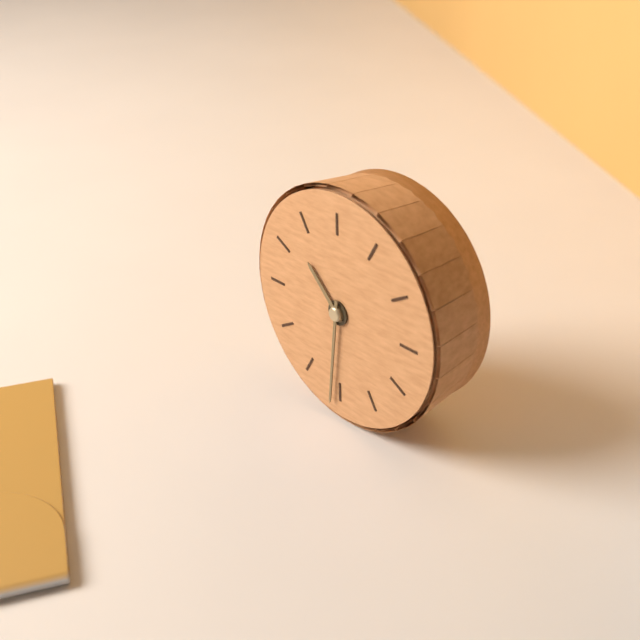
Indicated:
10:31
